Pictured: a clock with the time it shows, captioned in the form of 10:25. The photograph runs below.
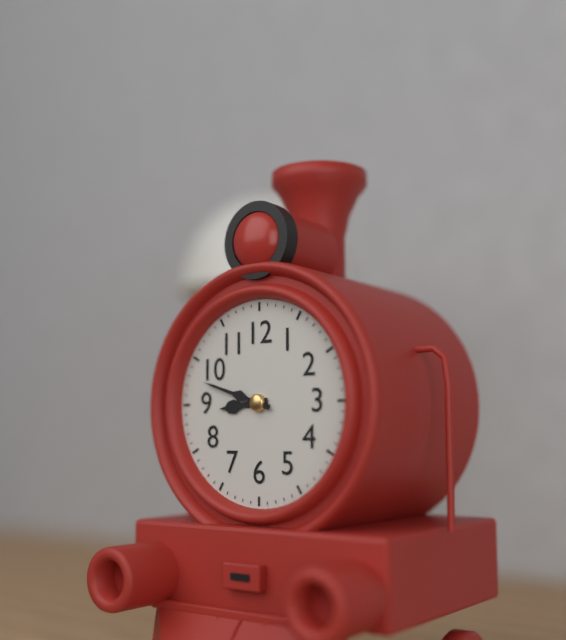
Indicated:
8:48
